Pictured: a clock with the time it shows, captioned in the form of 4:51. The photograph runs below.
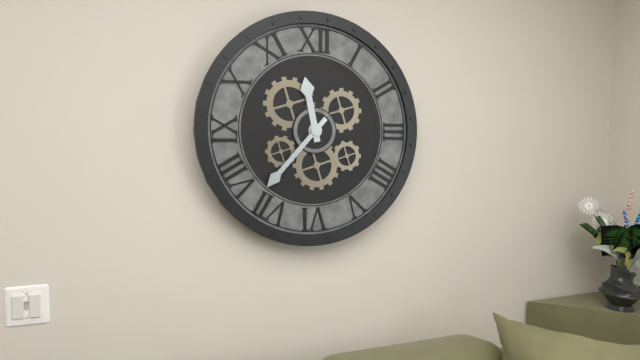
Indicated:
11:37
